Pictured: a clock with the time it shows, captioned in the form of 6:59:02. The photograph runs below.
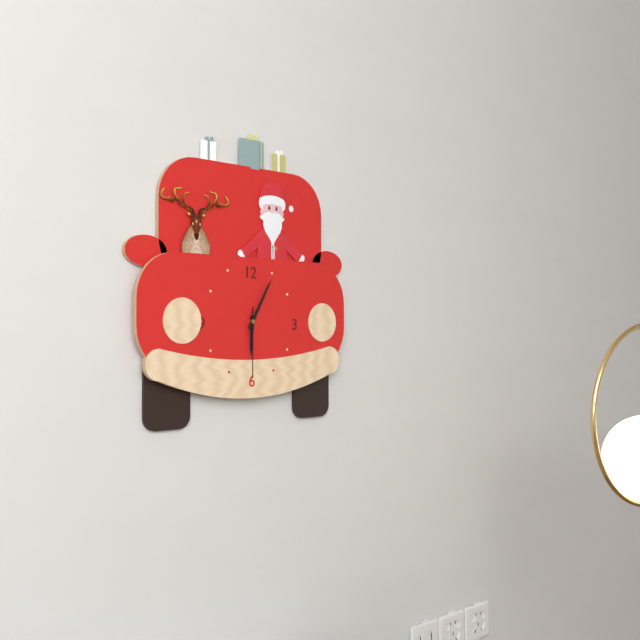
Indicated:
6:05:30
